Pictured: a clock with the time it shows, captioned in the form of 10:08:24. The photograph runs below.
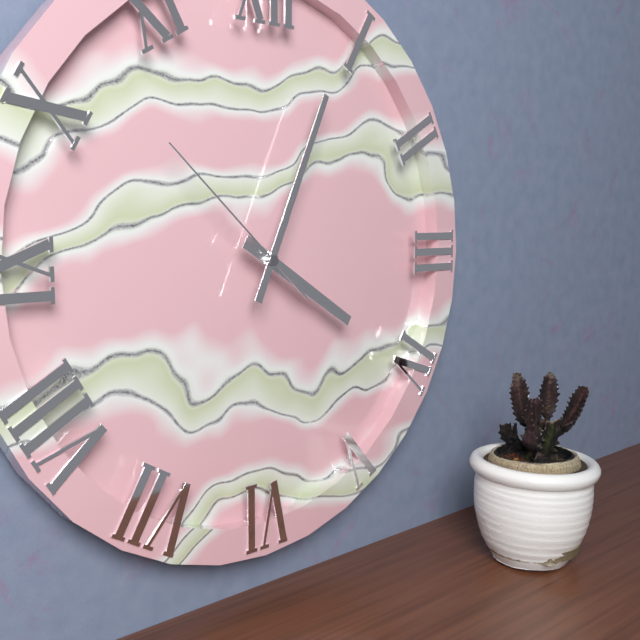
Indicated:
4:04:52
